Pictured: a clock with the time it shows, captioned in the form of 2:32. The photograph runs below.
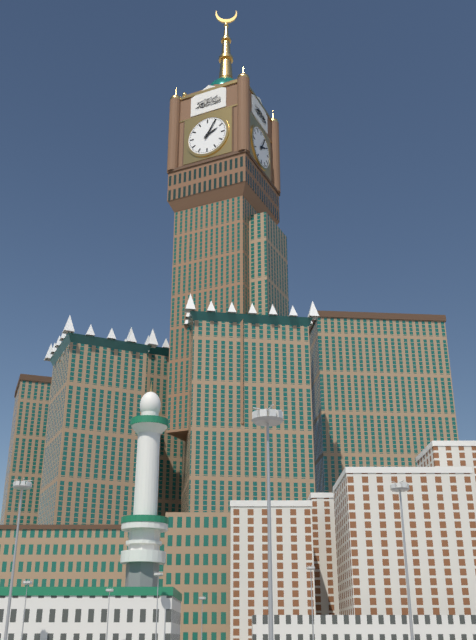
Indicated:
2:05
